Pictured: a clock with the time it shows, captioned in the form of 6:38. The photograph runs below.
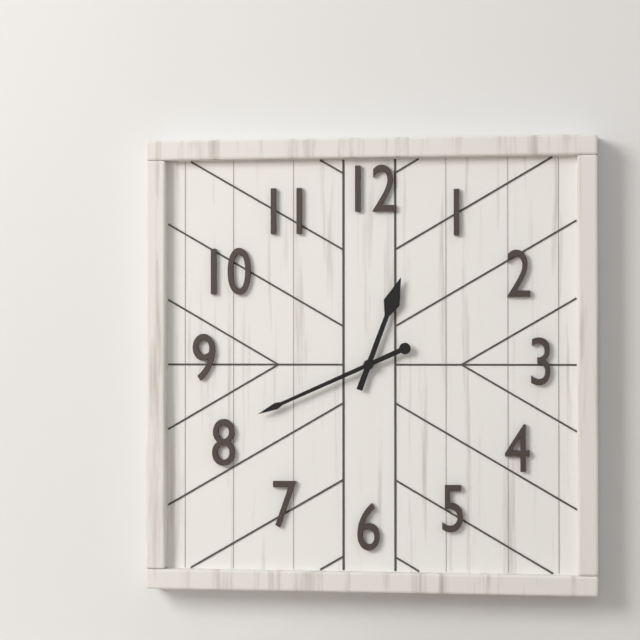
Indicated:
12:41
